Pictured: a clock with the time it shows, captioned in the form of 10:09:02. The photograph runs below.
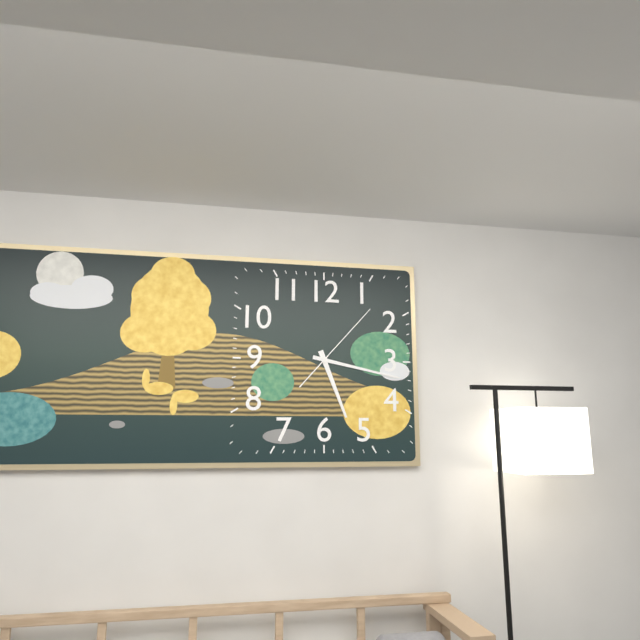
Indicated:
5:17:07
